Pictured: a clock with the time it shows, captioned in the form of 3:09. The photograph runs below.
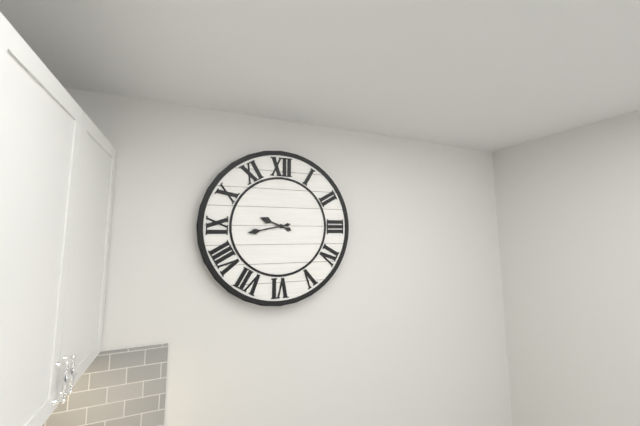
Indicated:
9:43
